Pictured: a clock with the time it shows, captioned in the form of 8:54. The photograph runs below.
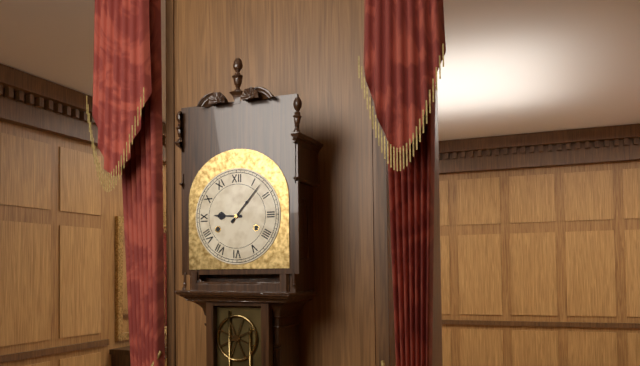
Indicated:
9:07
